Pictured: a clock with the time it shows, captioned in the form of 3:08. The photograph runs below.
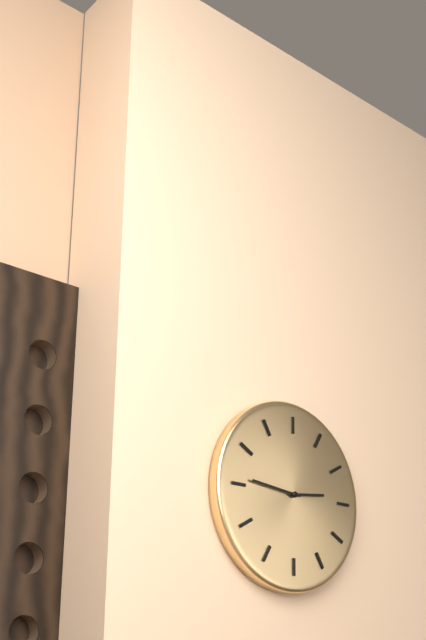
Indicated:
2:46
